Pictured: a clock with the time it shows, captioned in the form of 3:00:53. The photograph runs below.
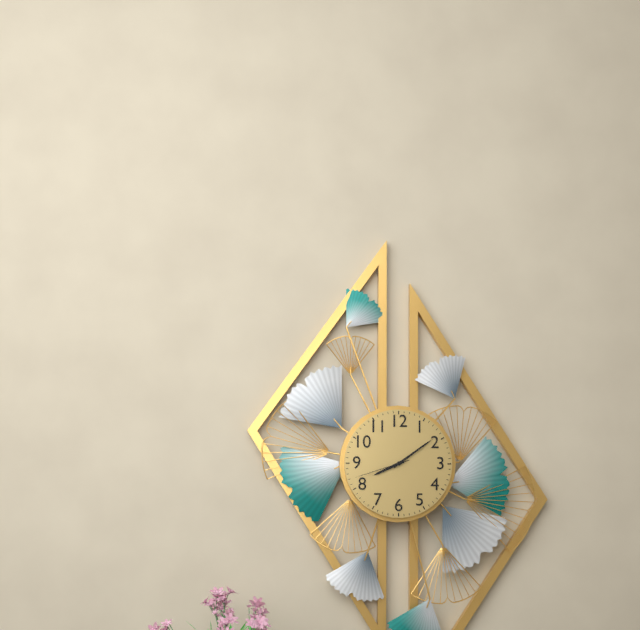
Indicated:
8:09:42
